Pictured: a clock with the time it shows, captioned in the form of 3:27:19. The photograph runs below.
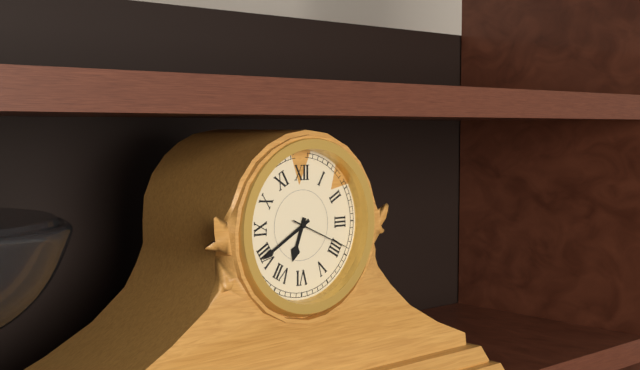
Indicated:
6:40:19
